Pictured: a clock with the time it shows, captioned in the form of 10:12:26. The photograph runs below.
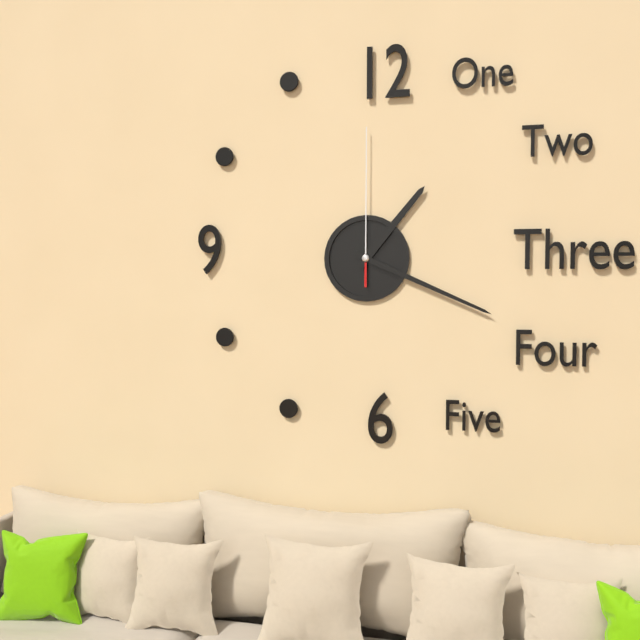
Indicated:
1:19:00
